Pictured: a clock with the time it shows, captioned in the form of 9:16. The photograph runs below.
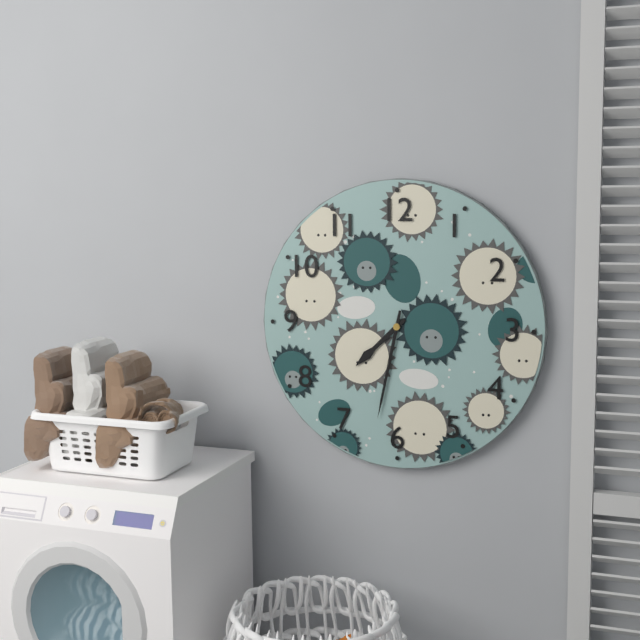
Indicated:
7:32
